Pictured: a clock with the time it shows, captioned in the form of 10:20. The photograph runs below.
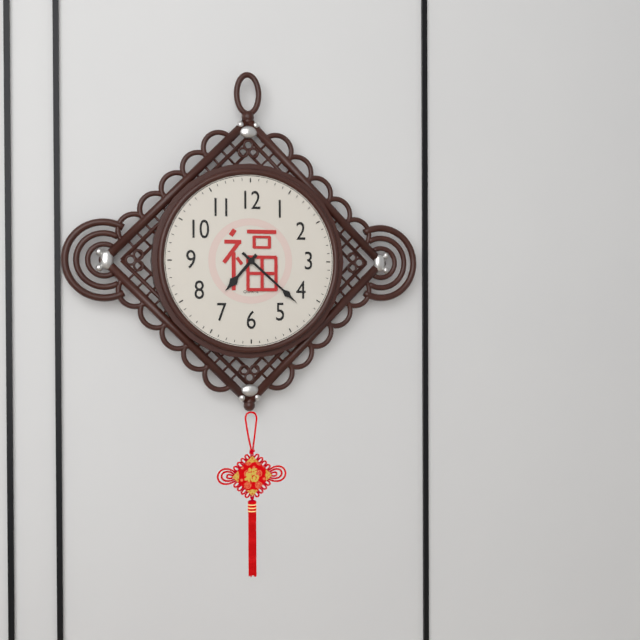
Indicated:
7:22
